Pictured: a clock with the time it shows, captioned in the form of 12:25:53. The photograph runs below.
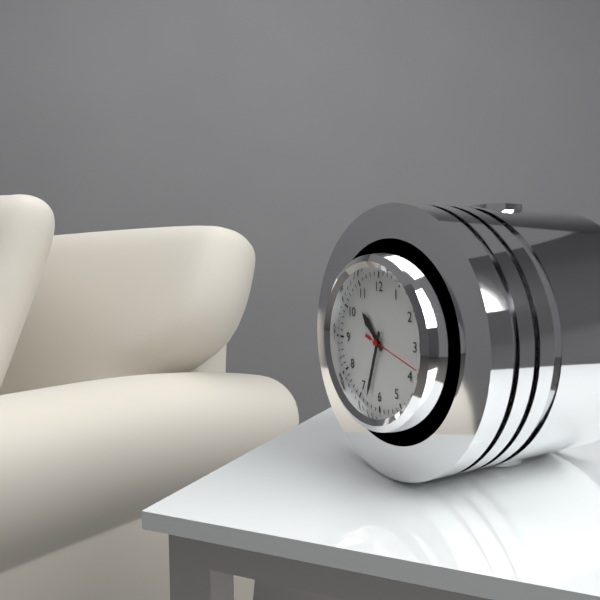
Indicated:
10:33:18
